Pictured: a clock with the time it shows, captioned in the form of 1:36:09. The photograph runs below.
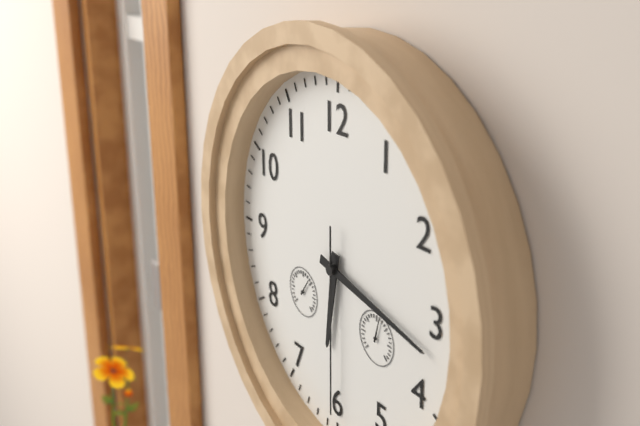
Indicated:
6:17:30
